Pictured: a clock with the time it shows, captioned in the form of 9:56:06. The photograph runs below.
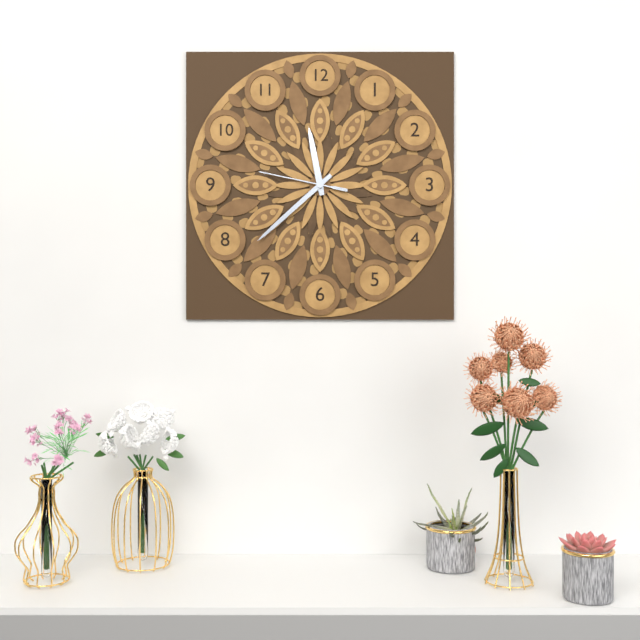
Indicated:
11:38:47
